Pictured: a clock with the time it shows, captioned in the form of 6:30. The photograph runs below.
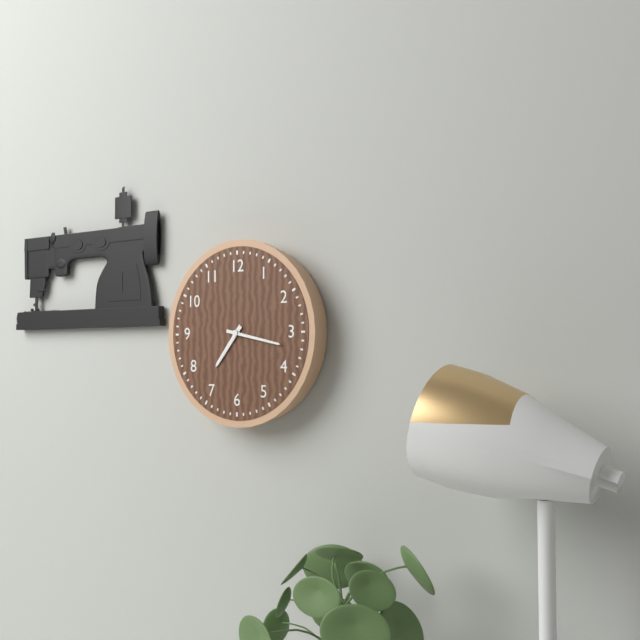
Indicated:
7:17
